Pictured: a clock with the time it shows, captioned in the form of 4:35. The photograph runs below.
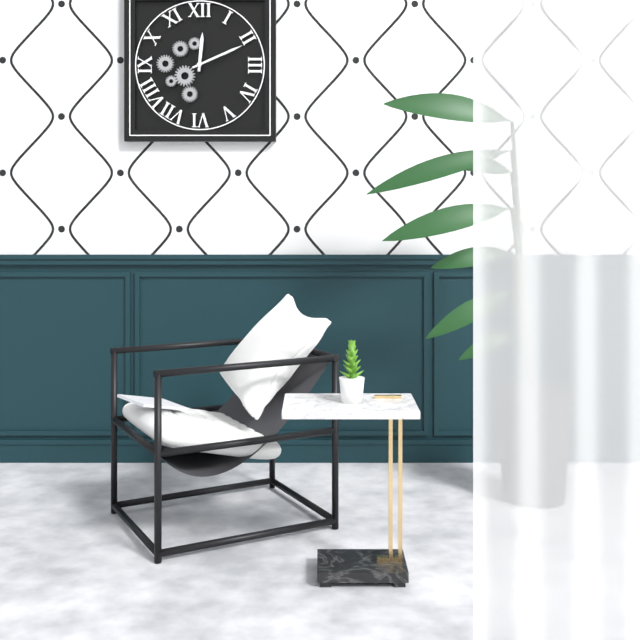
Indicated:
12:11
